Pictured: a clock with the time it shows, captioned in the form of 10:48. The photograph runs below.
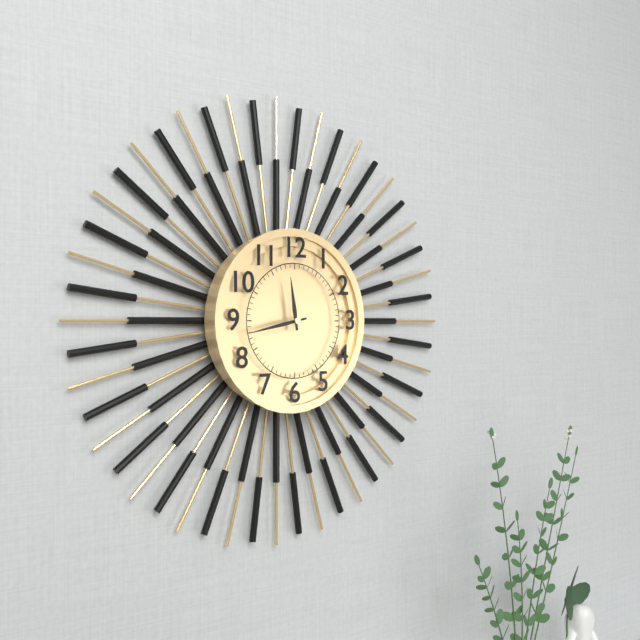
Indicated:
11:43
